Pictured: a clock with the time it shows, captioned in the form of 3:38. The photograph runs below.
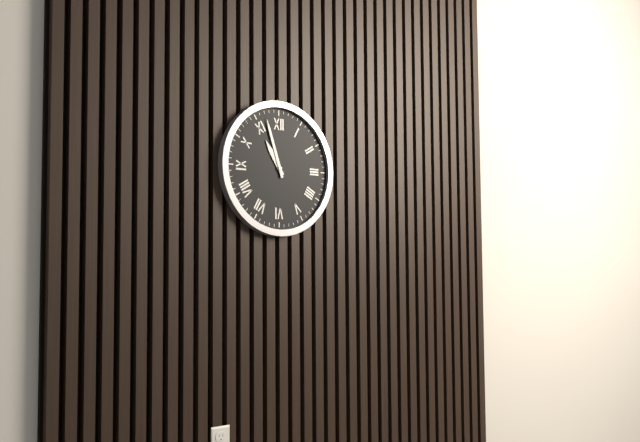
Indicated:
10:57
